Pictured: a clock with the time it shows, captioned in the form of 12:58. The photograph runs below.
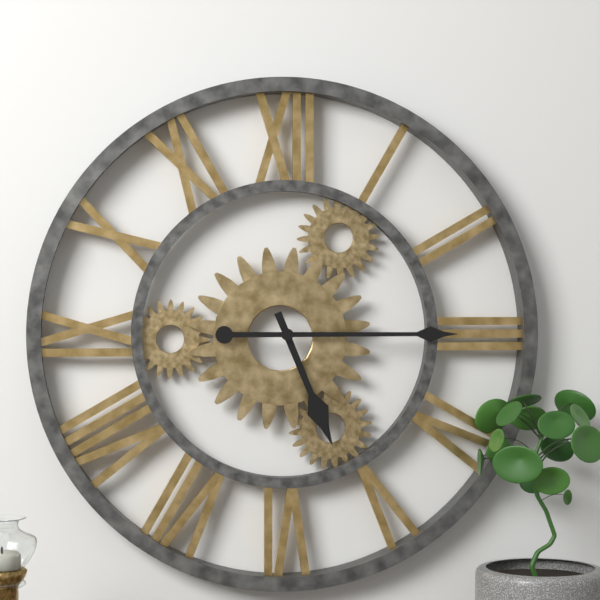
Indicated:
5:15
